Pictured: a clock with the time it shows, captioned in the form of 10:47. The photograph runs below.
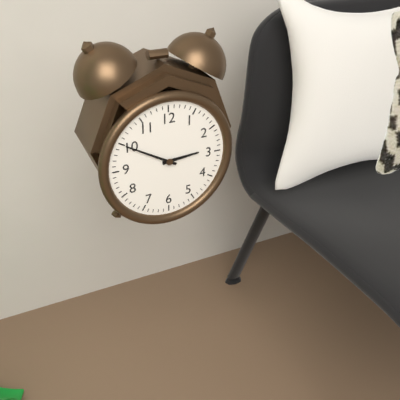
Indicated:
2:50
